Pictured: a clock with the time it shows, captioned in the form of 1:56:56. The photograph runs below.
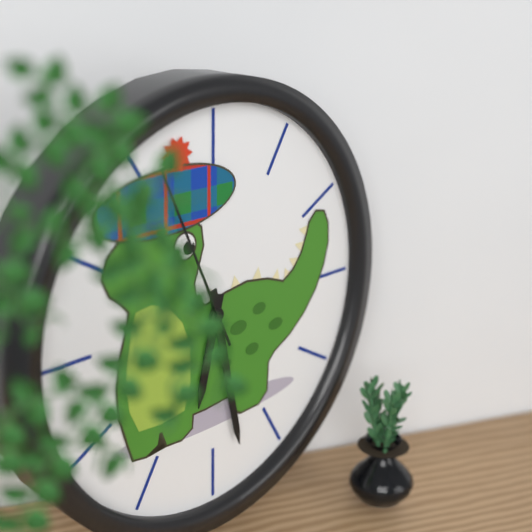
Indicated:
6:28:56
